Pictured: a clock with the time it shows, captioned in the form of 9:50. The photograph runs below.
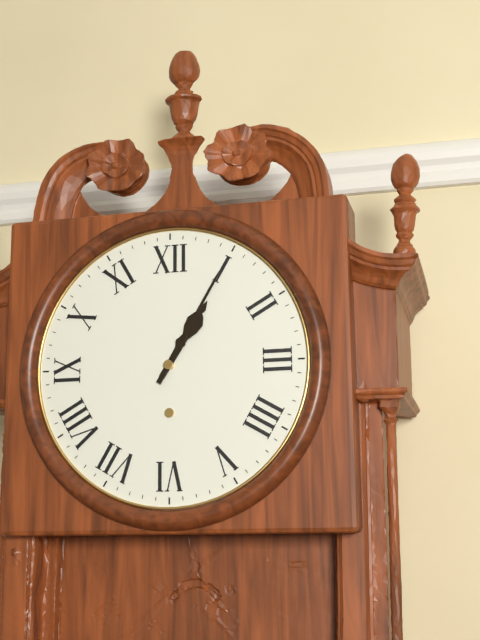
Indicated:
1:05
